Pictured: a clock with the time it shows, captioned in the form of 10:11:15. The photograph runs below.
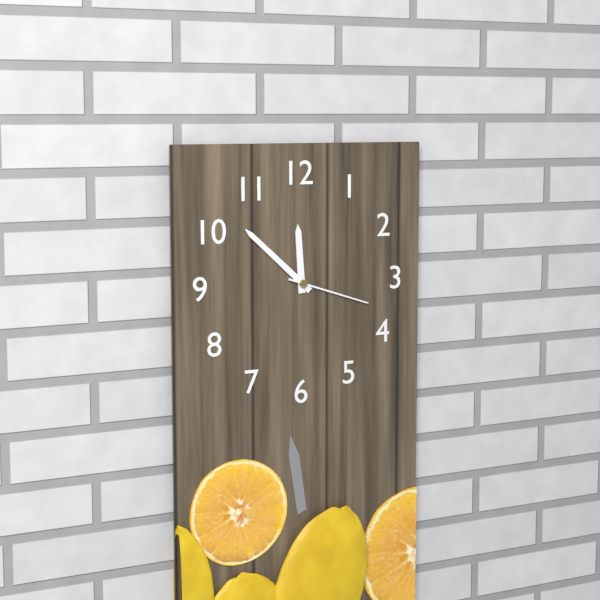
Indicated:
11:52:18
